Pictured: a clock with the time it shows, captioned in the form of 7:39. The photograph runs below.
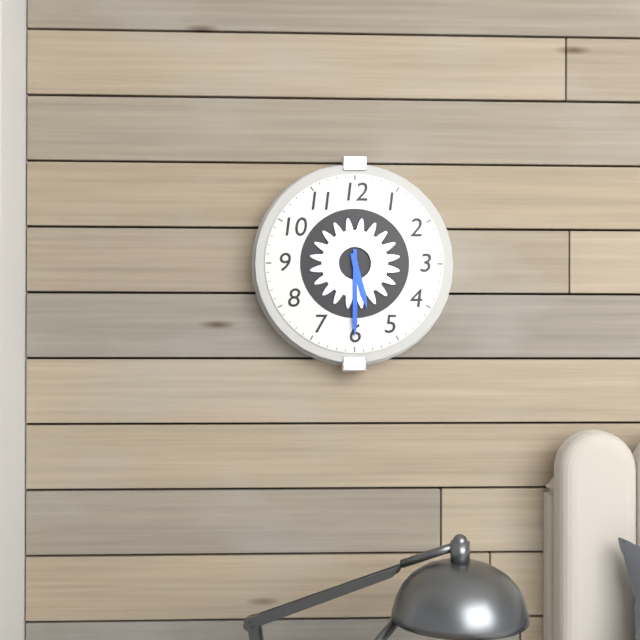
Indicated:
5:30
